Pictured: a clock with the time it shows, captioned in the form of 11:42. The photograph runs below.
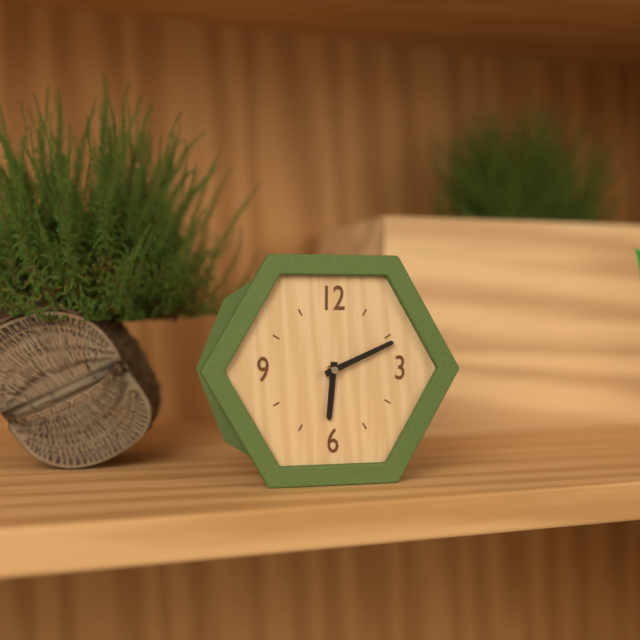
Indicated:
6:11
